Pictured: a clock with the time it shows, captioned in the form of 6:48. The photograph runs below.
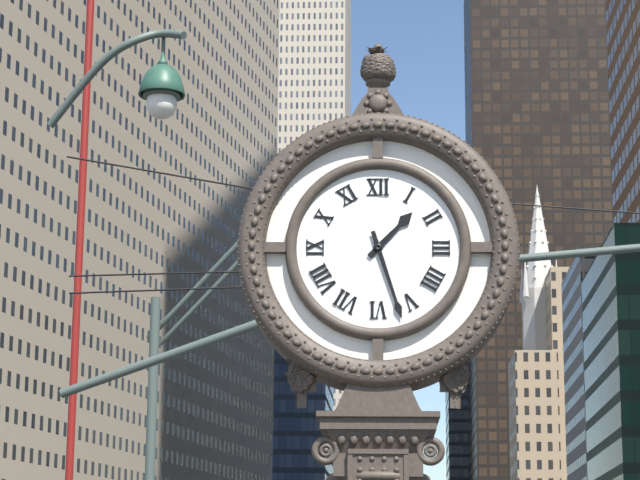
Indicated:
1:27
